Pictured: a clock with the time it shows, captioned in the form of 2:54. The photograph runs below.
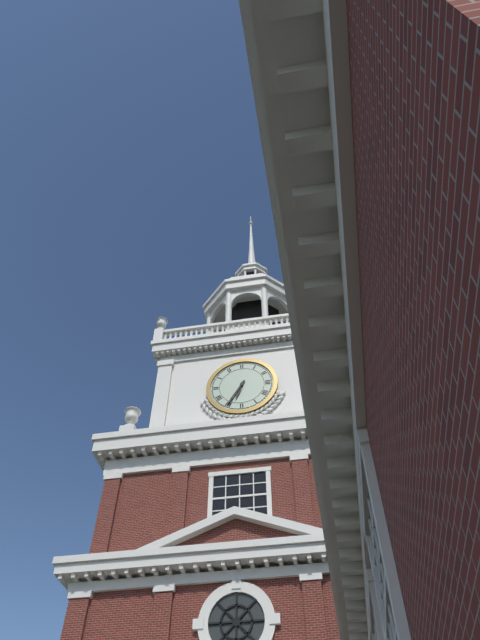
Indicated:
6:35
